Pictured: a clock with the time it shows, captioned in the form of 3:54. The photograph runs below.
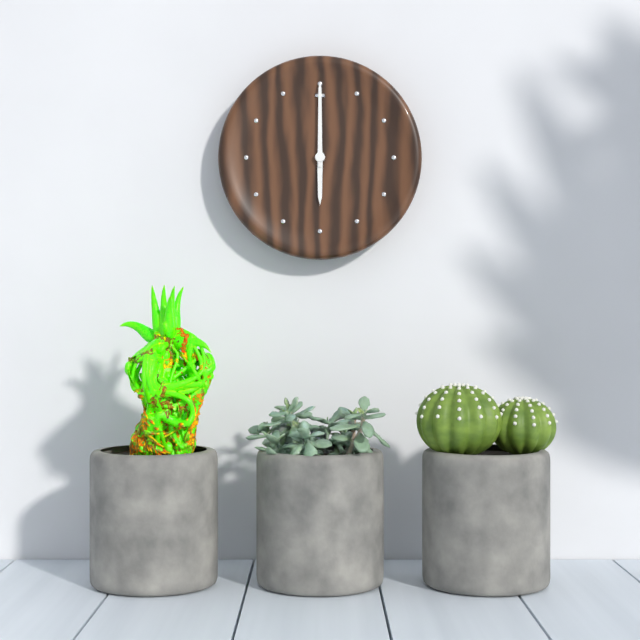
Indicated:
6:00
